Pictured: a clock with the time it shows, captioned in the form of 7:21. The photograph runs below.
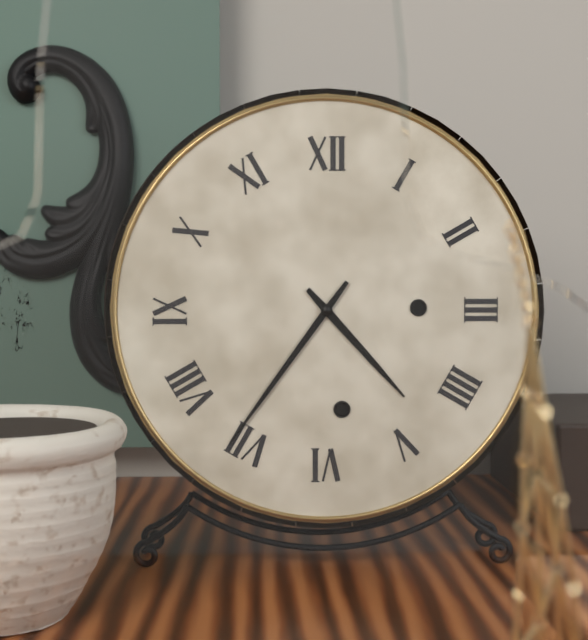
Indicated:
4:36
